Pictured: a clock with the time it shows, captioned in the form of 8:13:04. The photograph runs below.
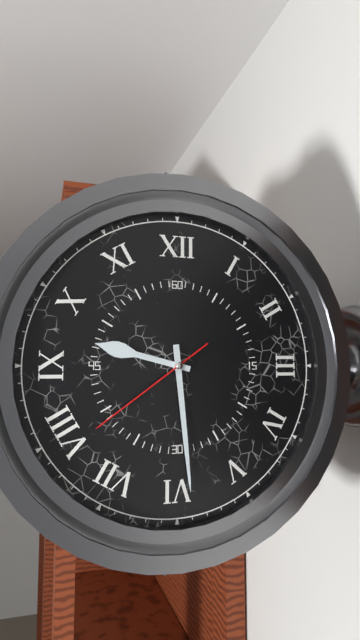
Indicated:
9:29:39
